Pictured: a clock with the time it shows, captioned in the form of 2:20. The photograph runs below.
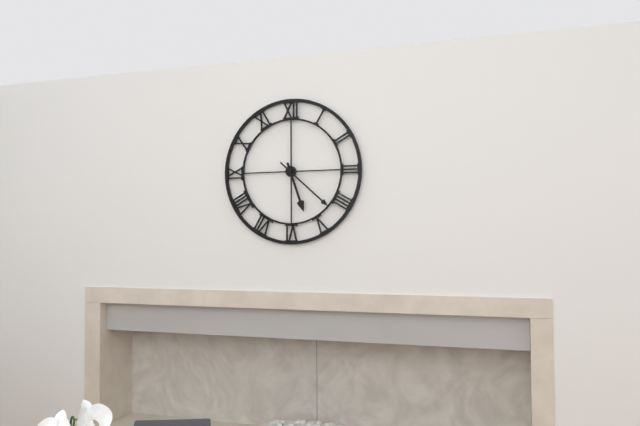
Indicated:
5:22
